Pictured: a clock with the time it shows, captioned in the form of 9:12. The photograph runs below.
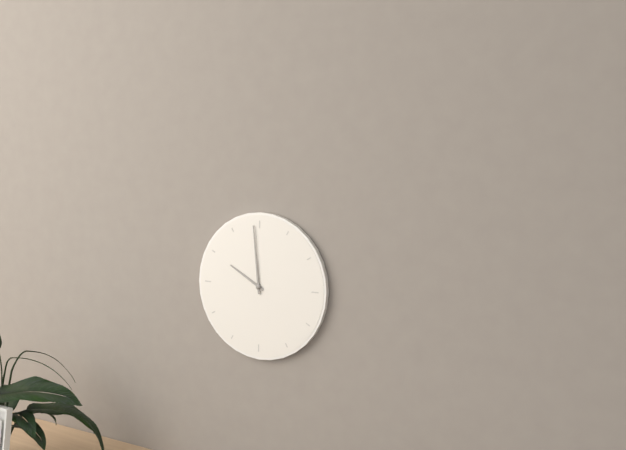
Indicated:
9:59
